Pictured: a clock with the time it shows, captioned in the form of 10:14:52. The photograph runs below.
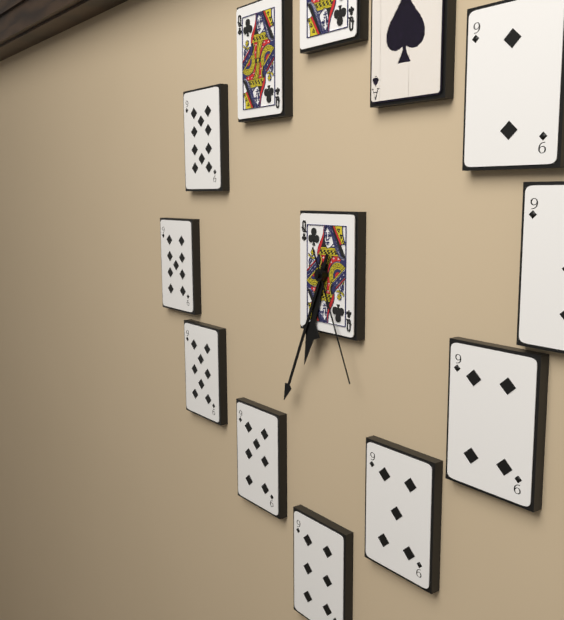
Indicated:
6:34:26
